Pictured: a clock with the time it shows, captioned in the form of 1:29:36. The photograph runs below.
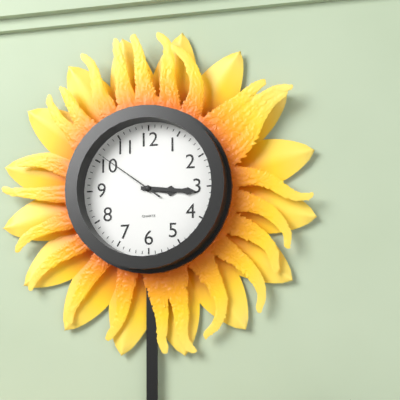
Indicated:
3:16:51
